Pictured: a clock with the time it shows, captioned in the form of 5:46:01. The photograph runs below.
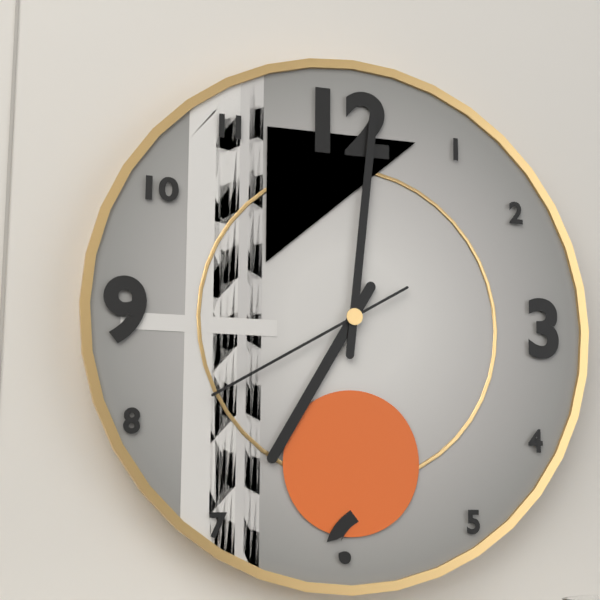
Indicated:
7:01:40
